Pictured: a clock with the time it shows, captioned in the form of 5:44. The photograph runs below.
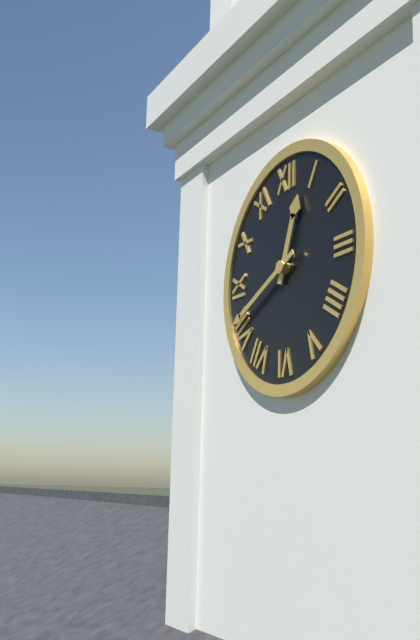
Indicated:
12:41
